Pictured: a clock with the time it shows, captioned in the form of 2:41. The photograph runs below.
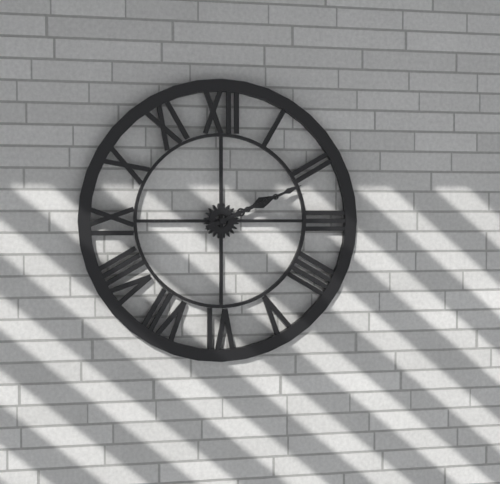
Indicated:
2:11
